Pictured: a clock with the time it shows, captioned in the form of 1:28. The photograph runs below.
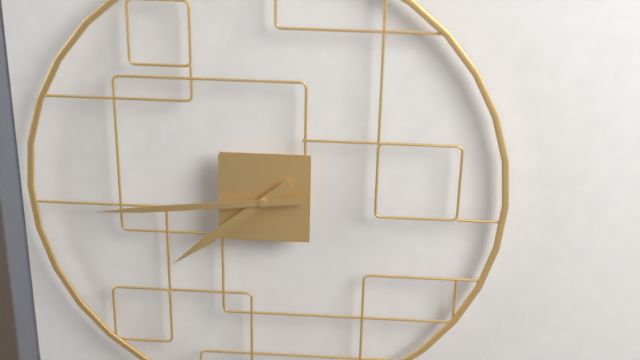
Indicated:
7:44
